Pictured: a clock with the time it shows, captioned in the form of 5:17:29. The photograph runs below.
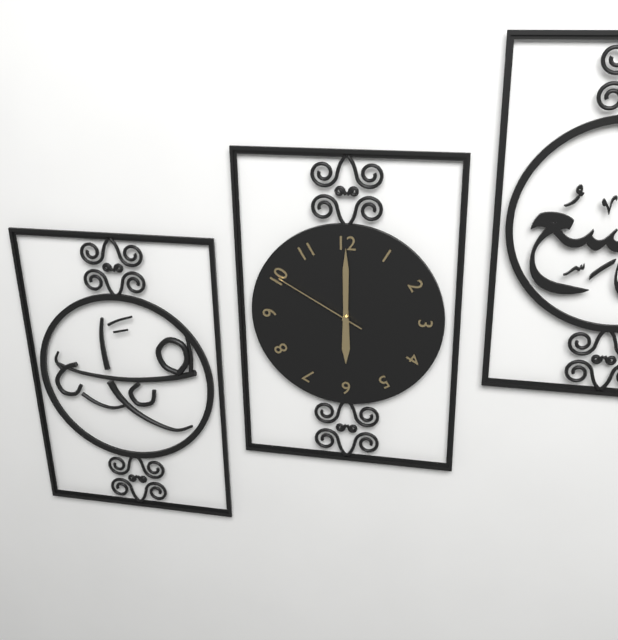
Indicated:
6:00:50
